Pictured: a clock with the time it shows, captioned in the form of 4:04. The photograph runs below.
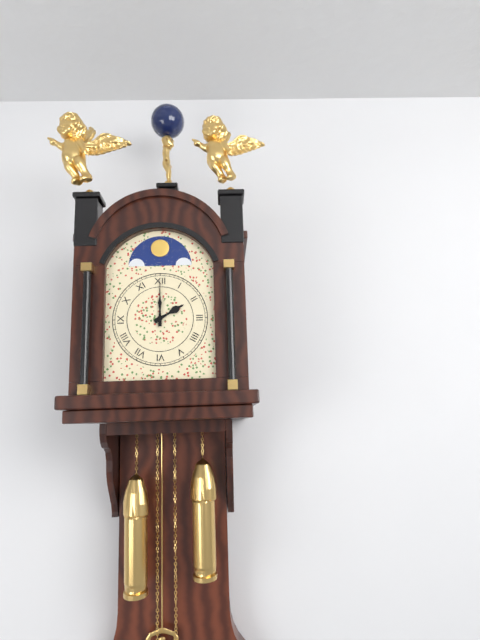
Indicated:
2:00
